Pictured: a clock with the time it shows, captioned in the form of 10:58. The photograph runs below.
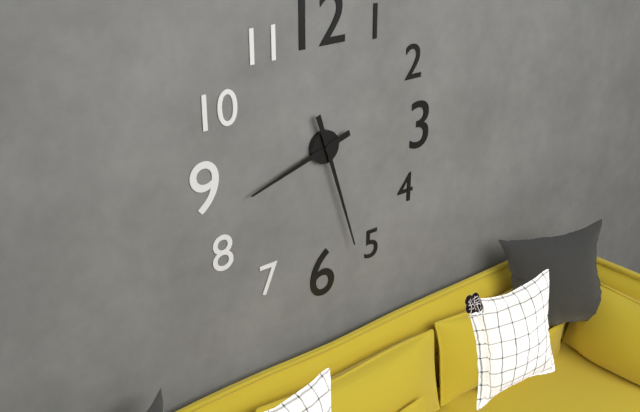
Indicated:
8:27
